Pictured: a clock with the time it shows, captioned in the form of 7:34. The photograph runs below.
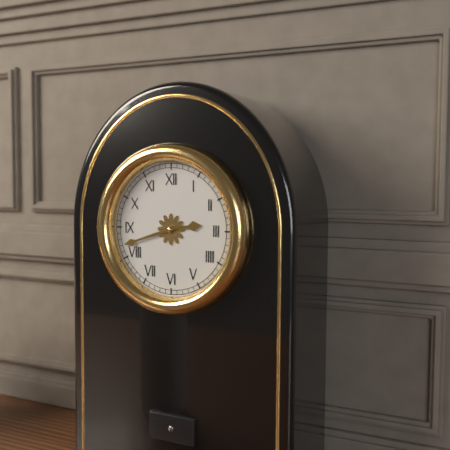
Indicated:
2:42
